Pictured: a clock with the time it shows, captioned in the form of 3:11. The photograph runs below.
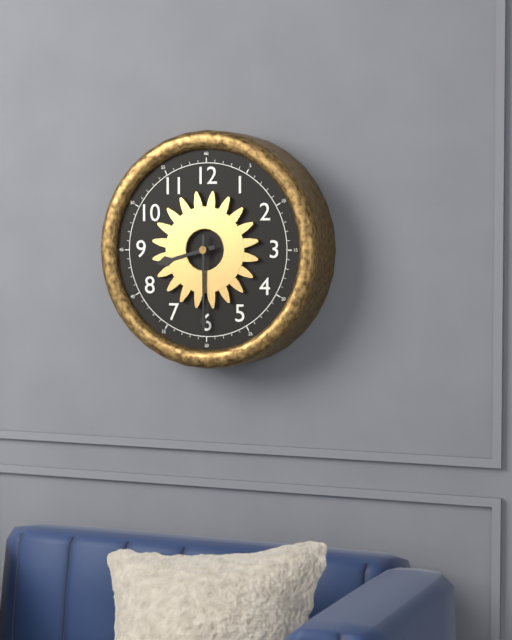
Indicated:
8:30
